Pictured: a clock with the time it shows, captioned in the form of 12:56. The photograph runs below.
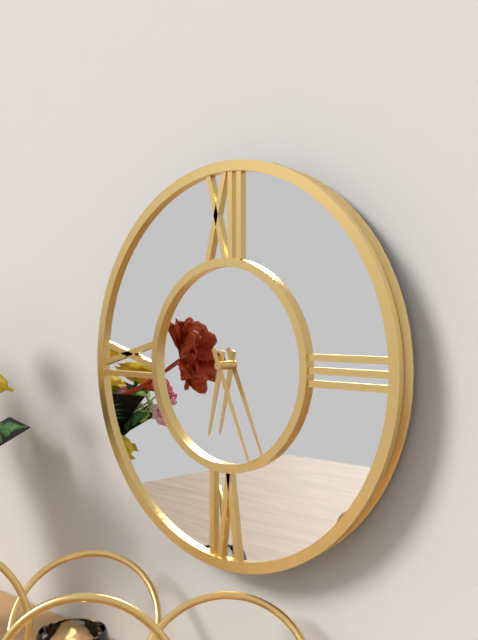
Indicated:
6:26
